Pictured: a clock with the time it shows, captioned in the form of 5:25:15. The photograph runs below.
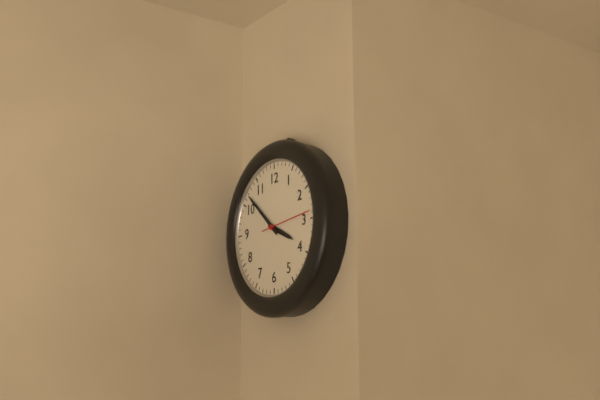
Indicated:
3:52:14
